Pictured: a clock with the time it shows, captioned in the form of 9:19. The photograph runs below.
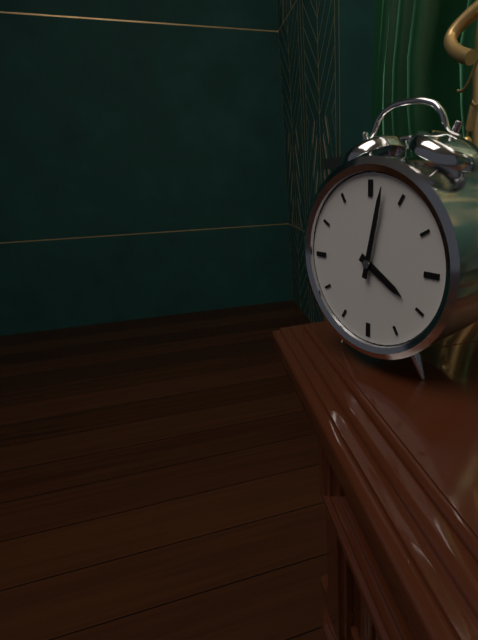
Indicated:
4:02
